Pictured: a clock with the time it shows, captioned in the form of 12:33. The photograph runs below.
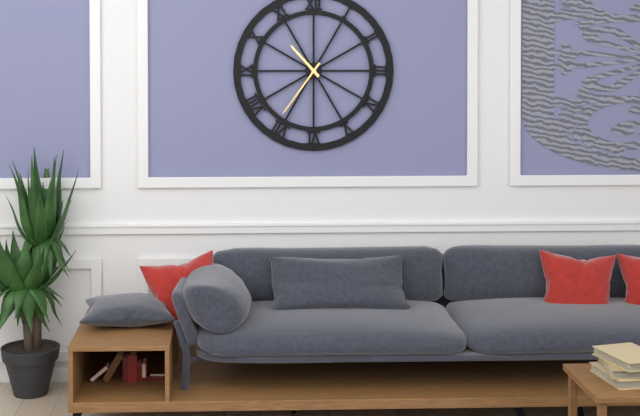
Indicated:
10:36
